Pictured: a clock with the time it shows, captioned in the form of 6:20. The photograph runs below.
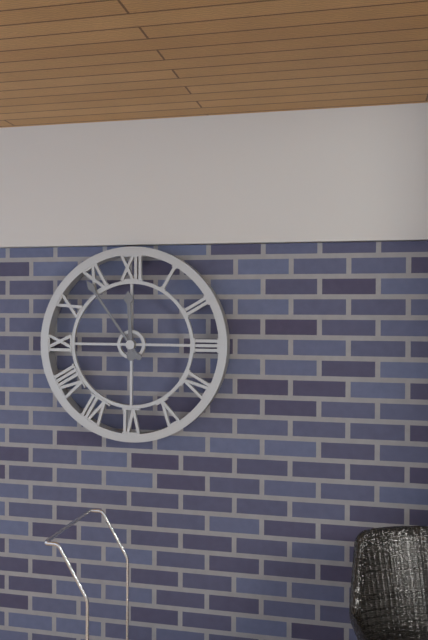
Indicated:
11:54
